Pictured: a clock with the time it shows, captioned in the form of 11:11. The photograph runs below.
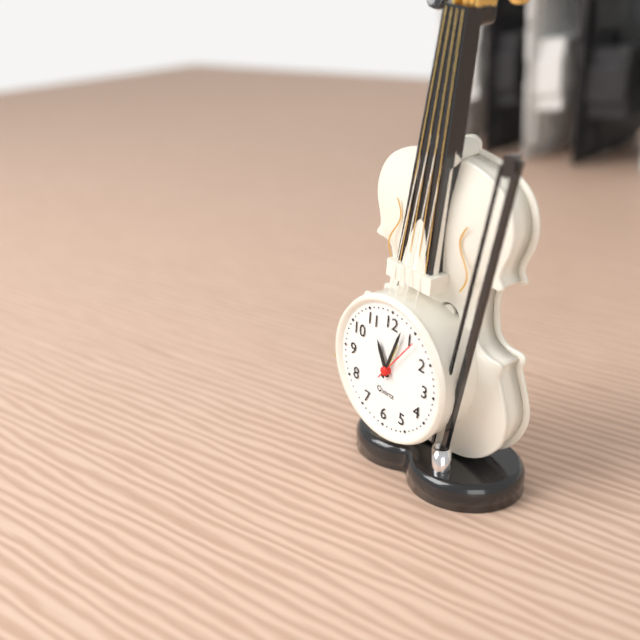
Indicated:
11:03
